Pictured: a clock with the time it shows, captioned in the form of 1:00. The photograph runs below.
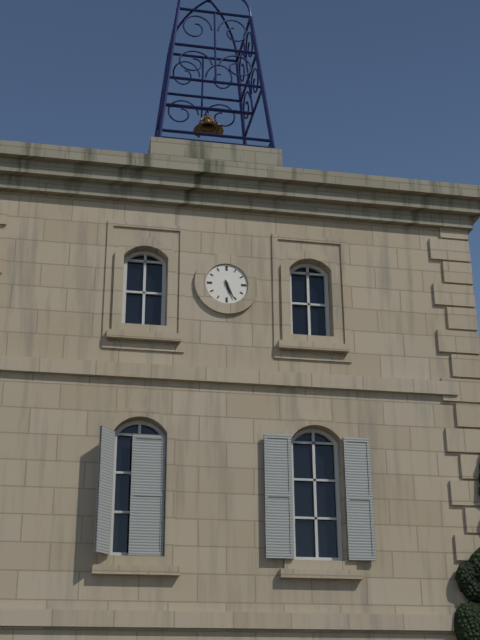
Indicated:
5:26
